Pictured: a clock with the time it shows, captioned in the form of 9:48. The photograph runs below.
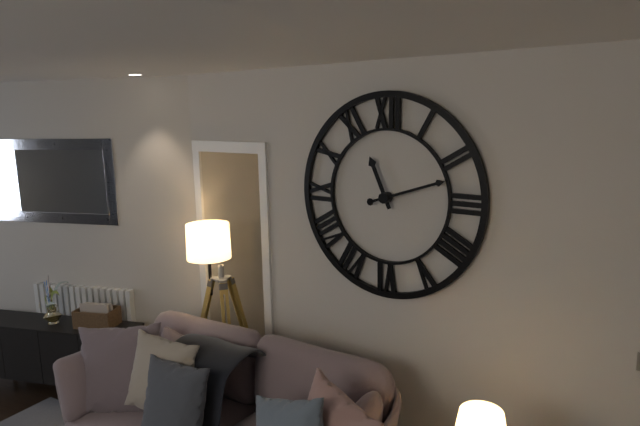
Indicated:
11:12
